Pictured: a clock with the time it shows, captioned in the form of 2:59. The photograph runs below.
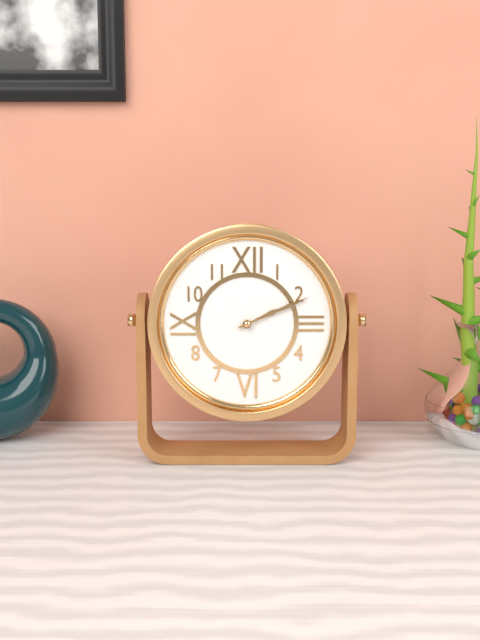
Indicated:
2:11
